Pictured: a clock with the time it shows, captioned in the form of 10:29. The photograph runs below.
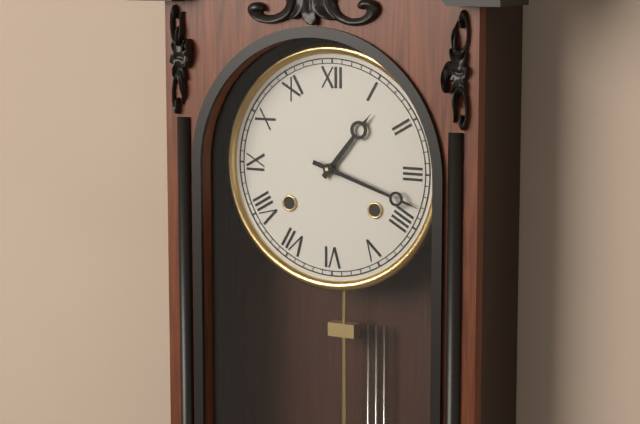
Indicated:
1:18
